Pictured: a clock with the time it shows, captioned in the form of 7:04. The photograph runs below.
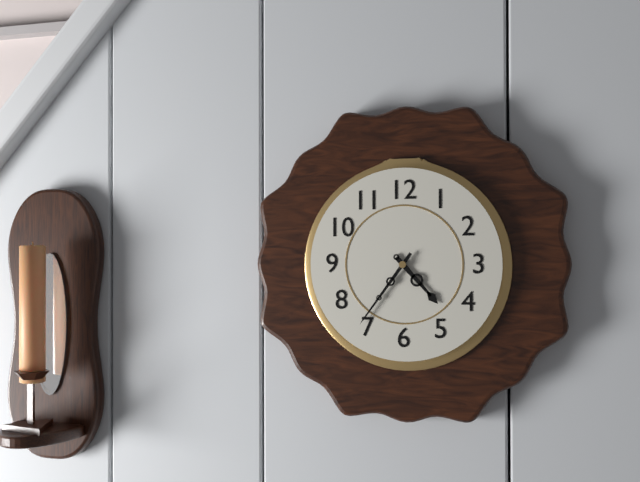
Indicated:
4:36
